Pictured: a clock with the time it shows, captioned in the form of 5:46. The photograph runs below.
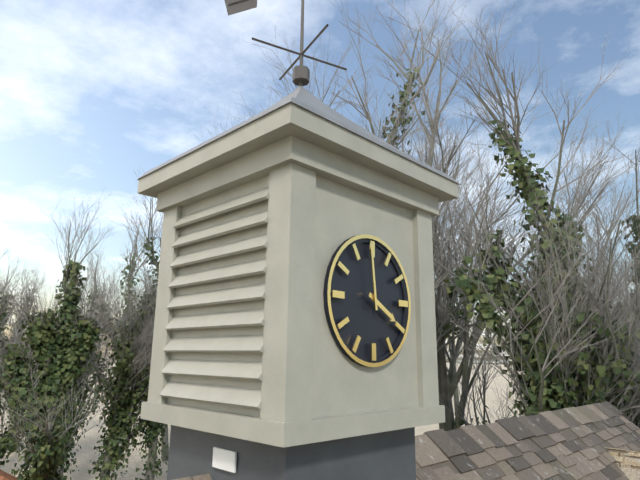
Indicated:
3:59
